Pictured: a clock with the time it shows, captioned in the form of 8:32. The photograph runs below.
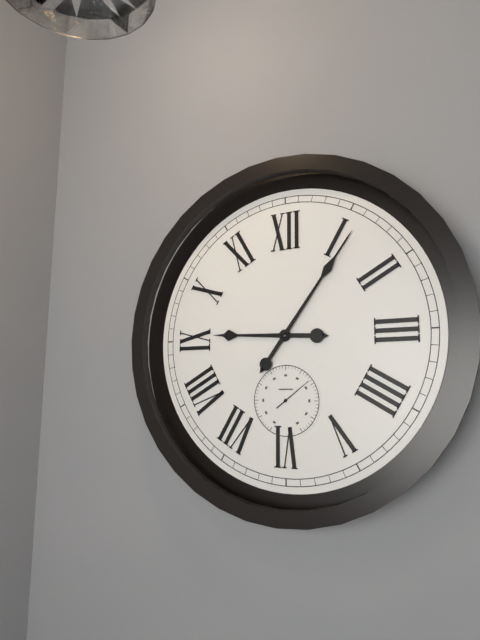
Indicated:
9:06
